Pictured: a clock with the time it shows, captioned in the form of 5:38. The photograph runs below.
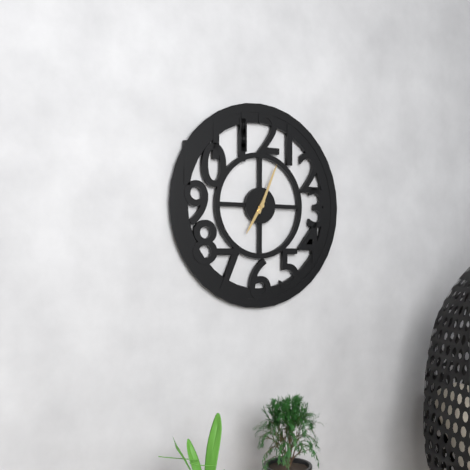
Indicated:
7:04
